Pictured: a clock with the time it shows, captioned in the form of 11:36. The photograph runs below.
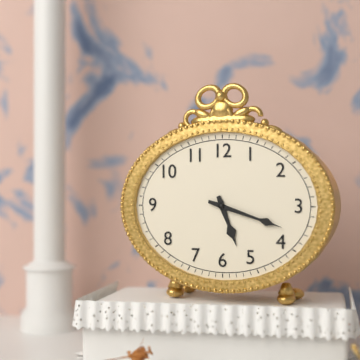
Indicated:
5:18
